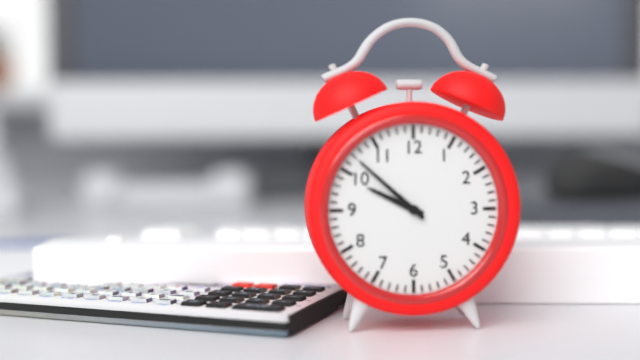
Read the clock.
9:52
